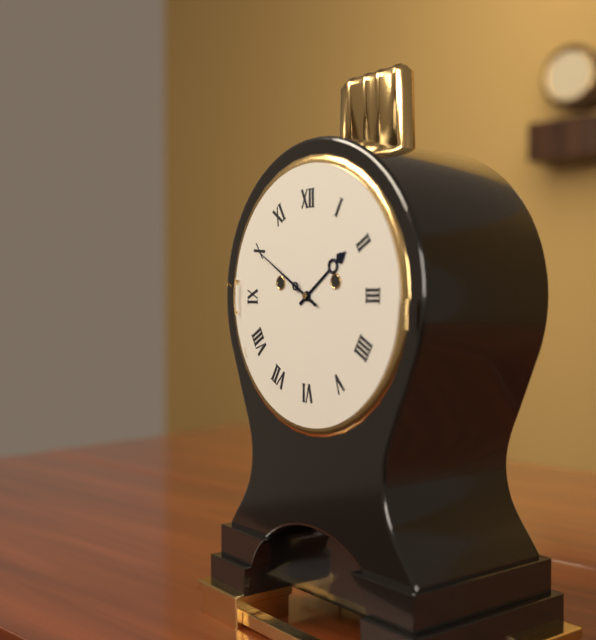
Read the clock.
1:50
